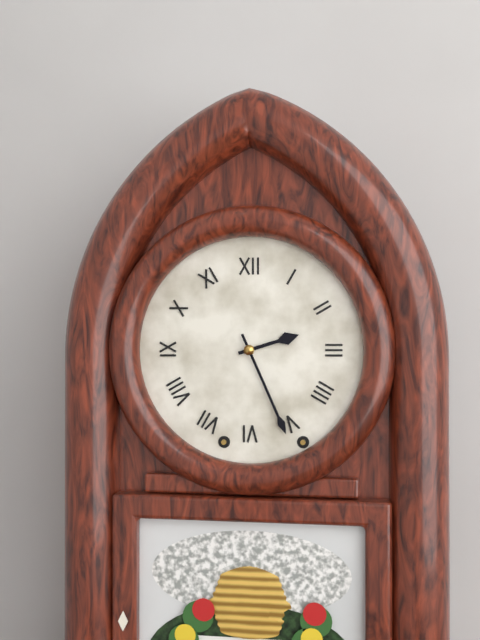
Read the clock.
2:26
